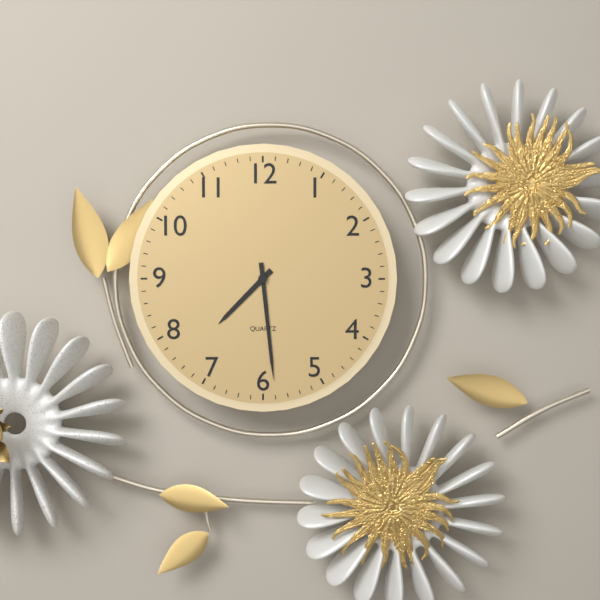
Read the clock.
7:29
